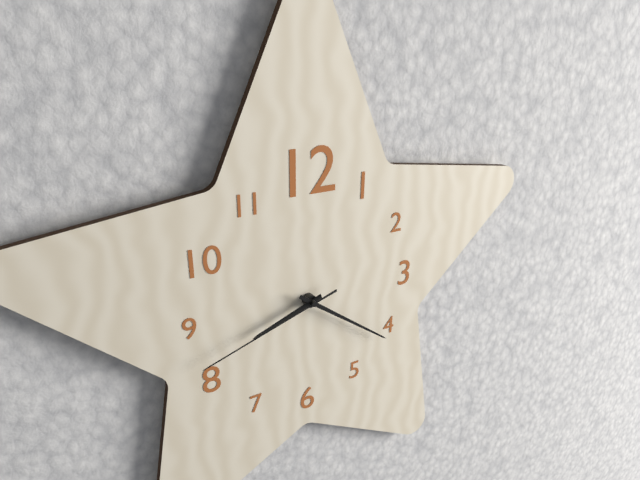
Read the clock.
8:21:42
